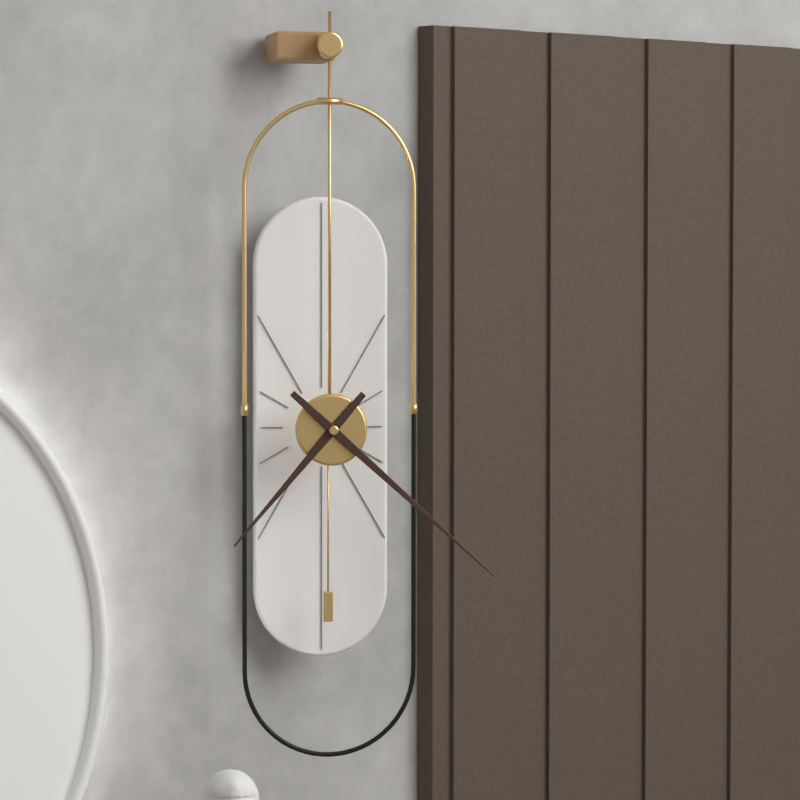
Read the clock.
7:22
